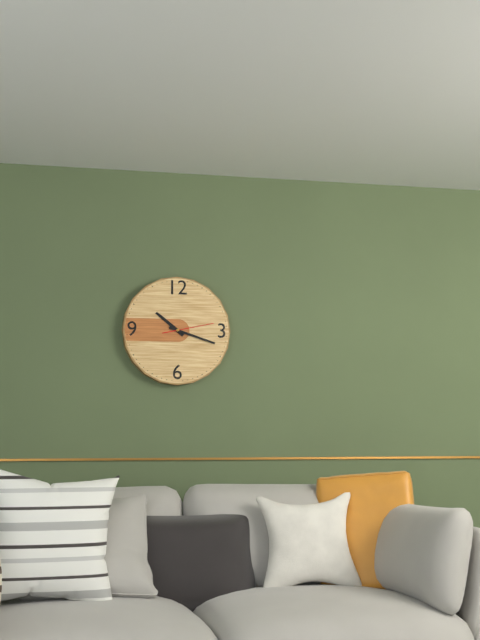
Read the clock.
10:18
